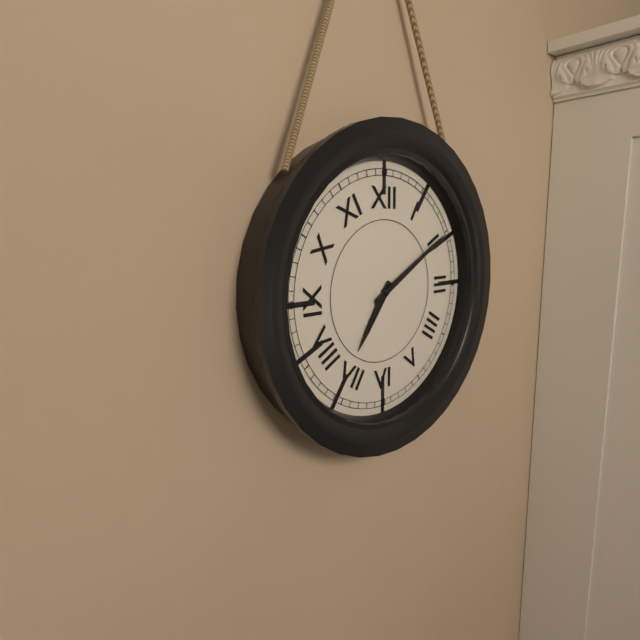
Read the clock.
7:10
